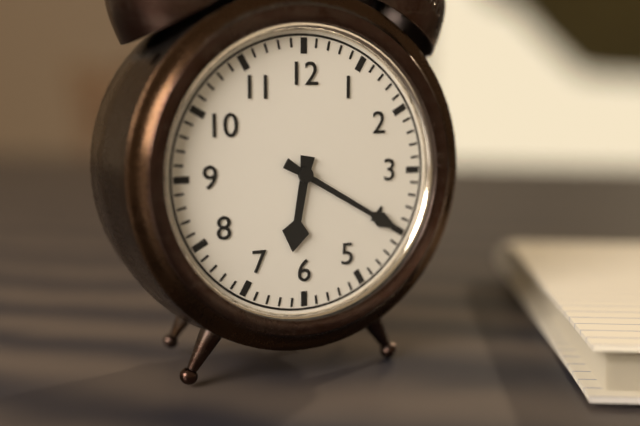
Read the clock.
6:20
